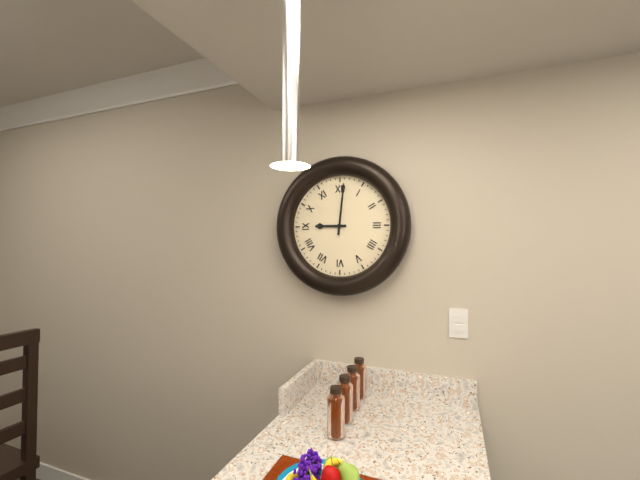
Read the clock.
9:01
